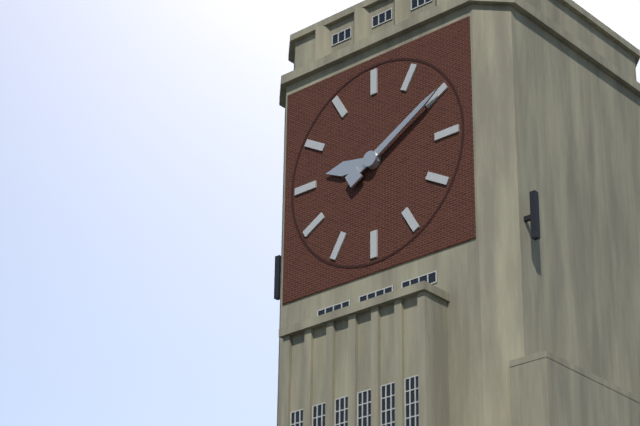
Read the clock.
9:10
